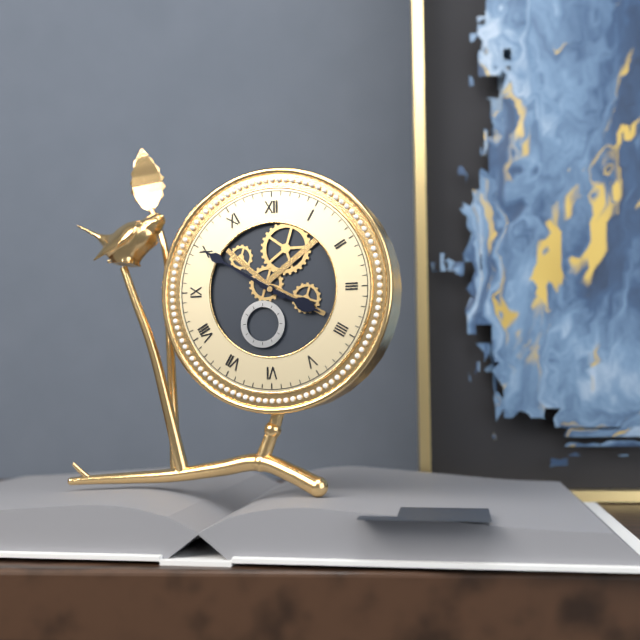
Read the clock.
3:50
